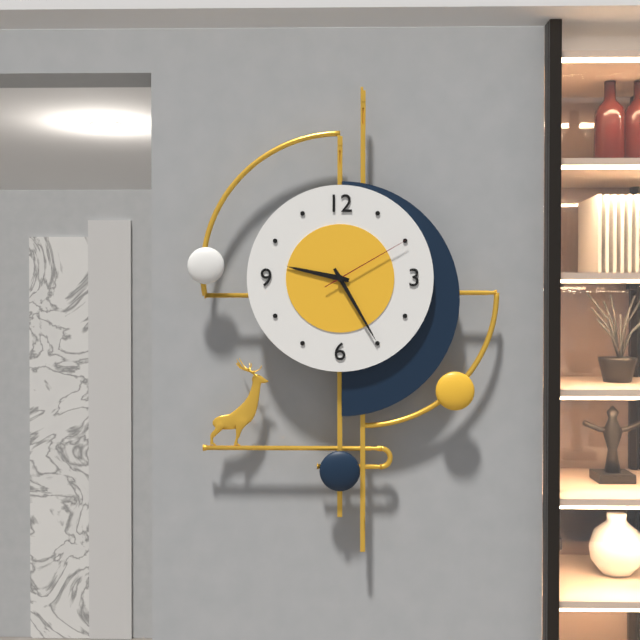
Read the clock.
9:25:10
